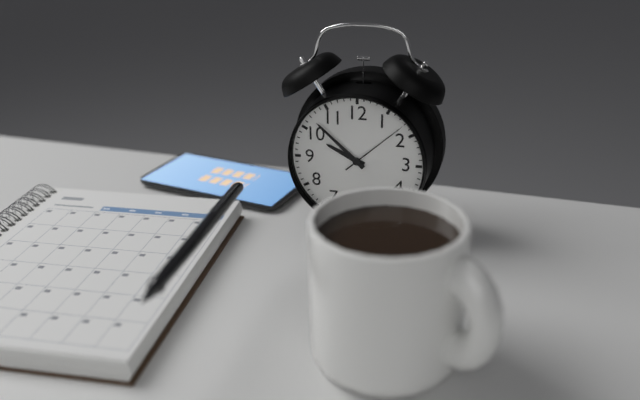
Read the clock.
9:52:08
